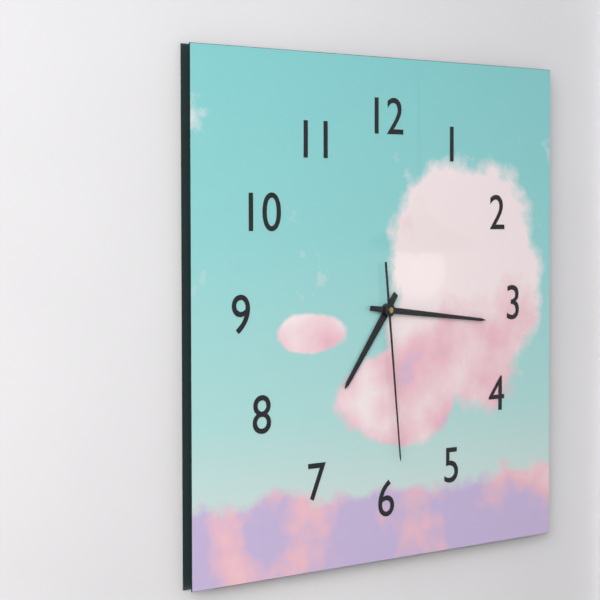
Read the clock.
7:16:29
